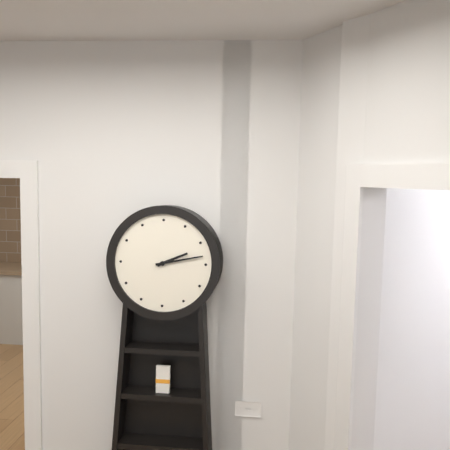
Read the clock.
2:13
